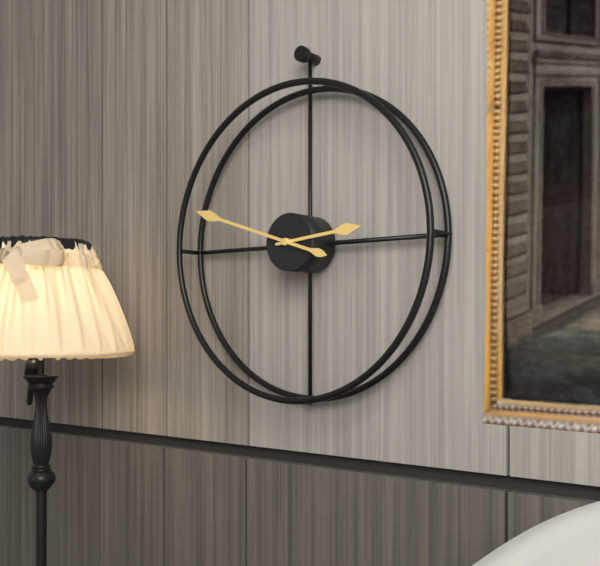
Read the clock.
2:48
